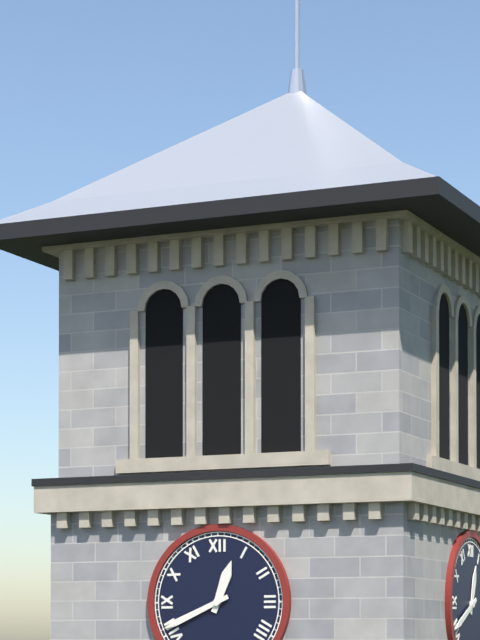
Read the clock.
12:41
